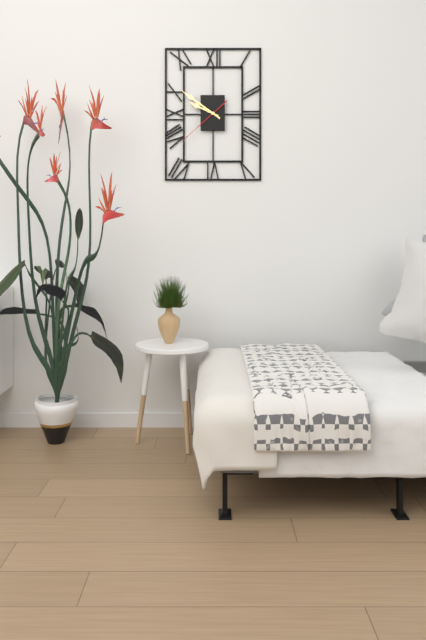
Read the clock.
9:51
